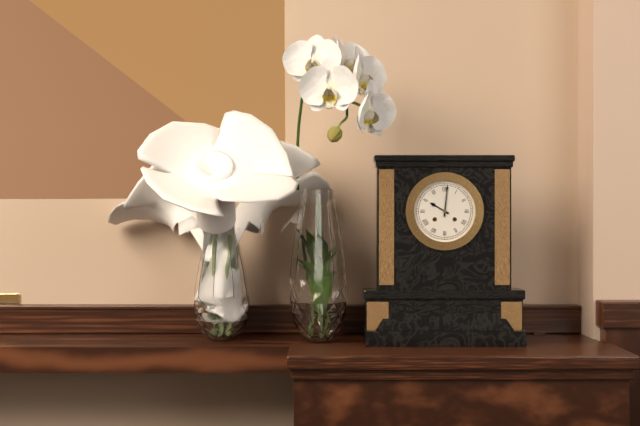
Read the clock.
10:01
